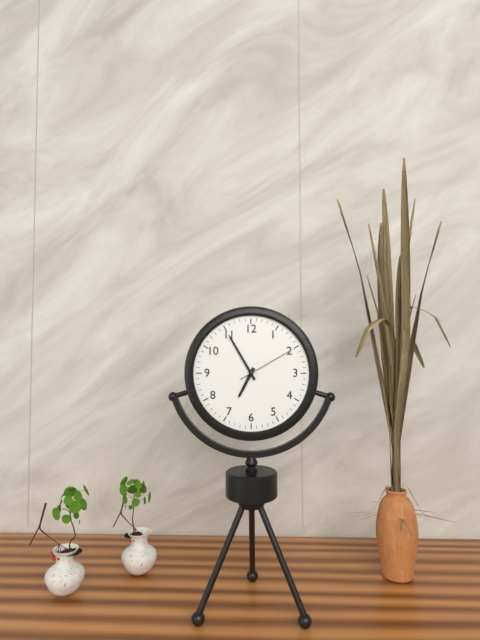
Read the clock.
6:55:10
